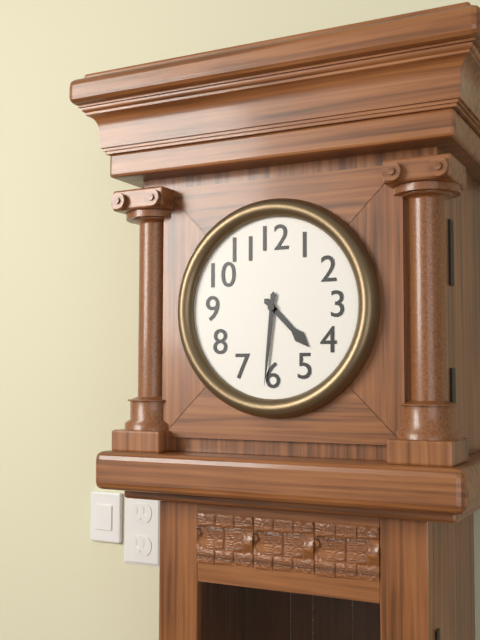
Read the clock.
4:31
